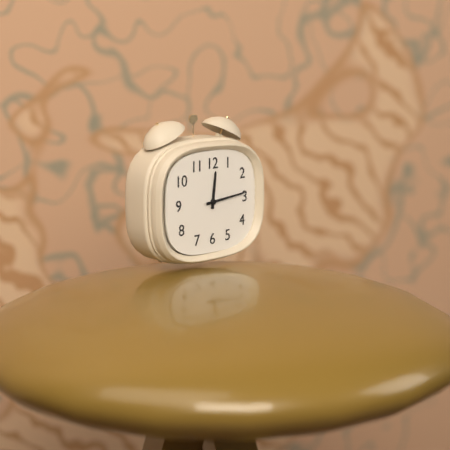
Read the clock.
12:14
